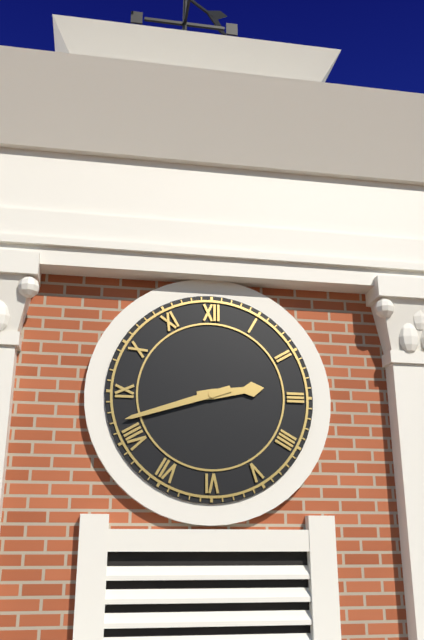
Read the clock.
2:42
